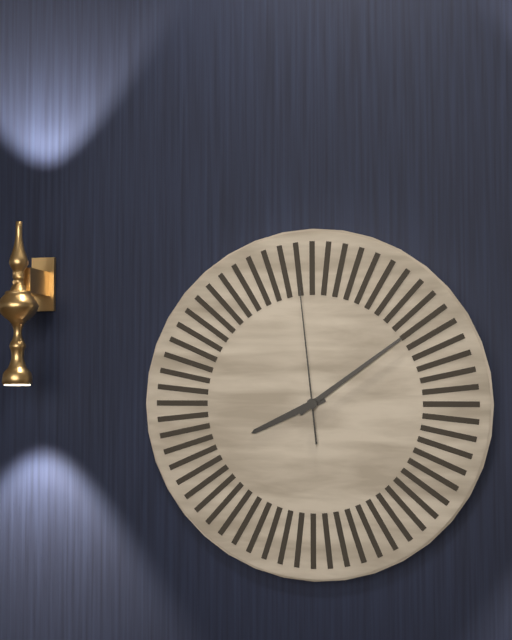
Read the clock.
8:09:59
